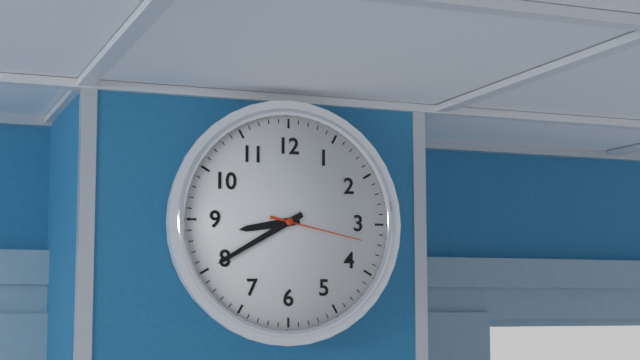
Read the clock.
8:40:17
